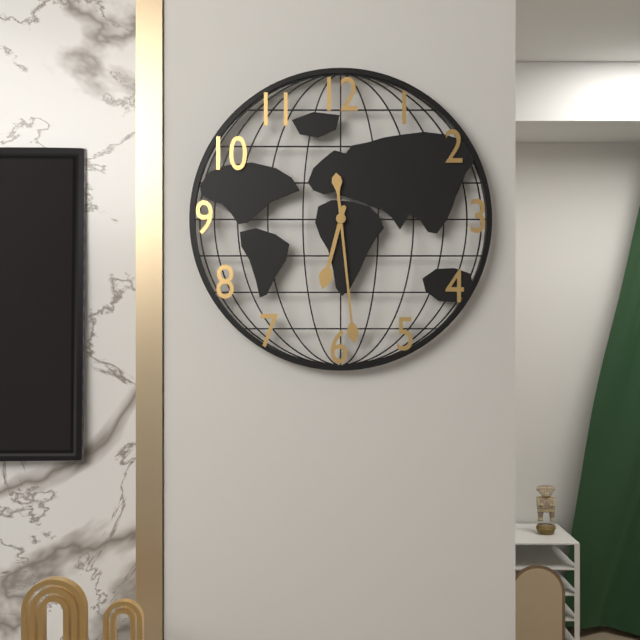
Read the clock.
6:29
